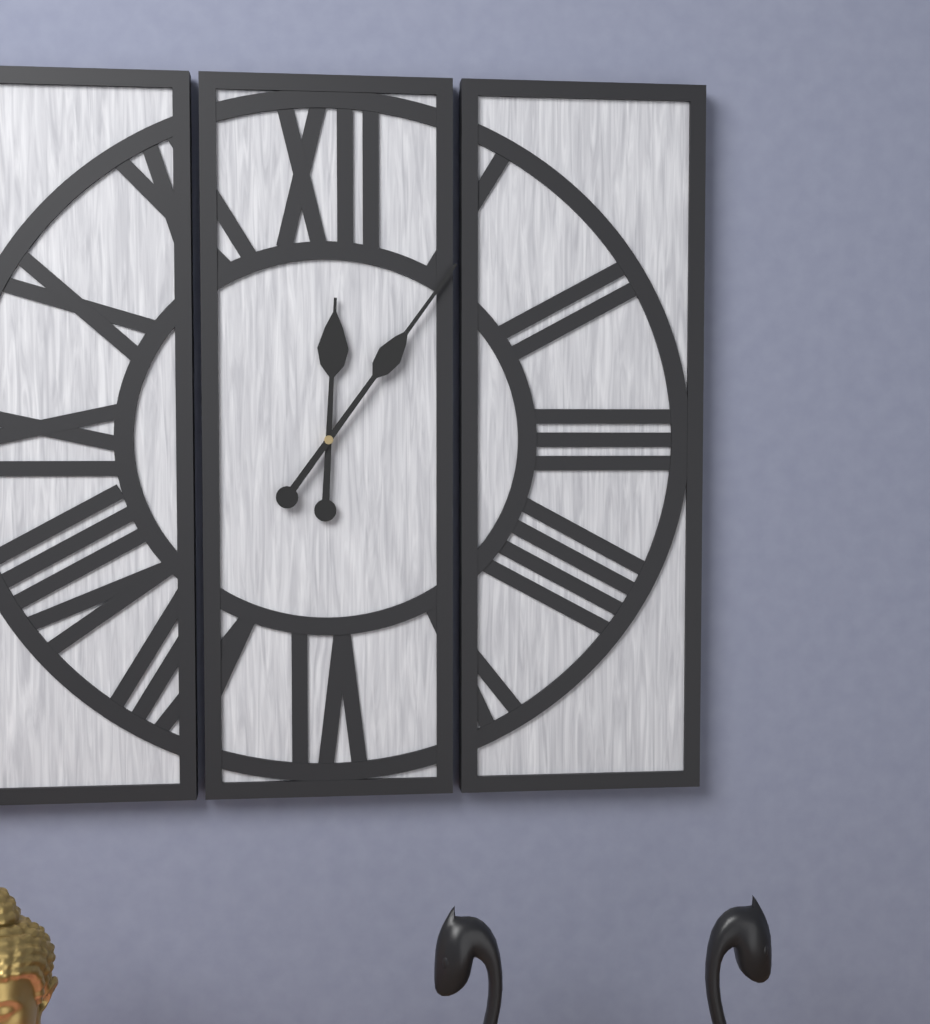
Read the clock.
12:06
